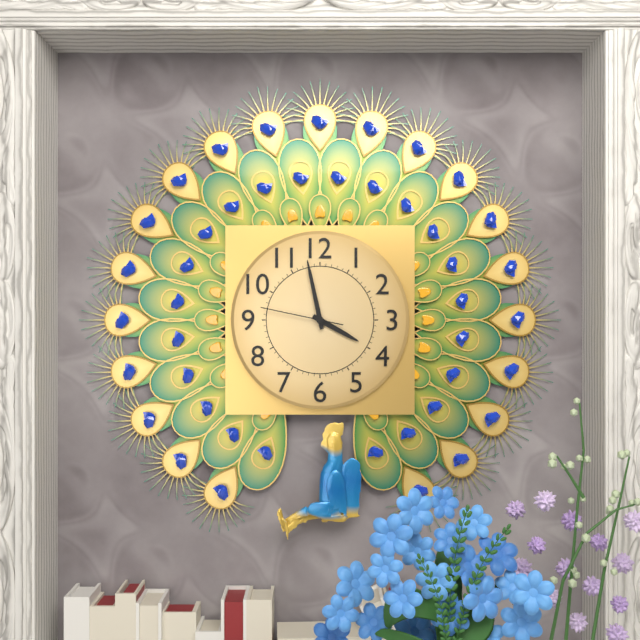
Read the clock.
3:58:47
